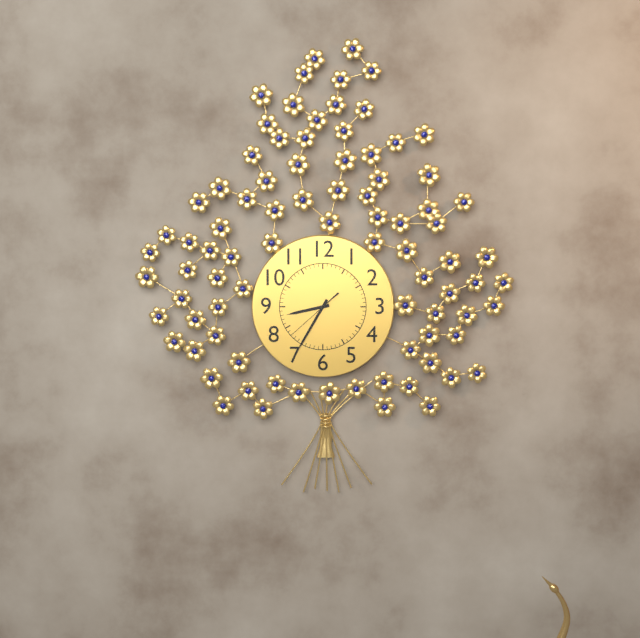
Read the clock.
8:35:38
